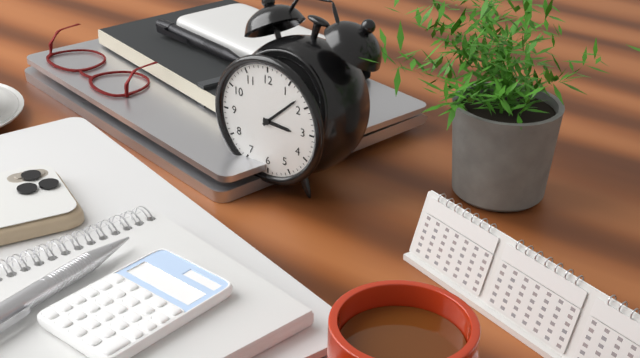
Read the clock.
3:08
